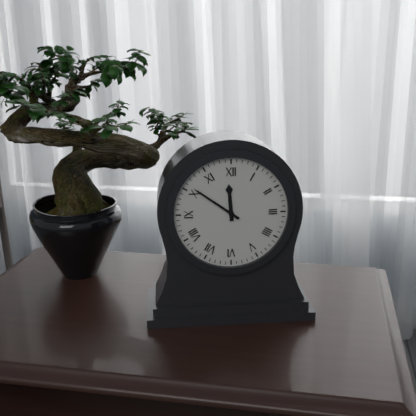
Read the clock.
11:51
